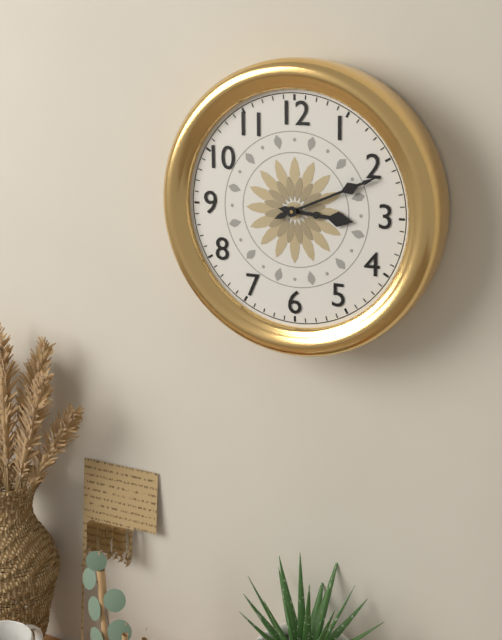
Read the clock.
3:11
